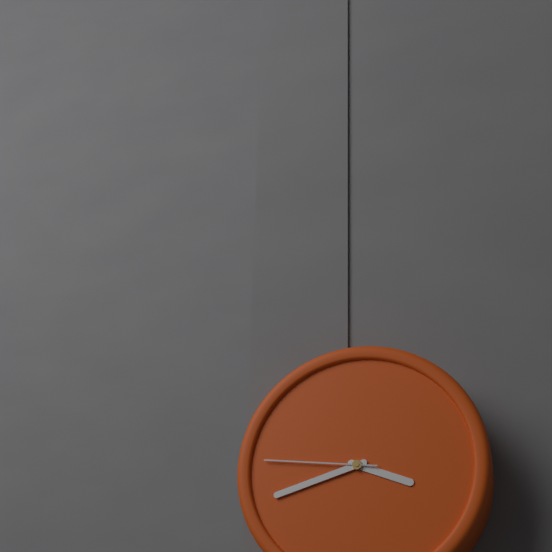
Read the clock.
3:42:46
